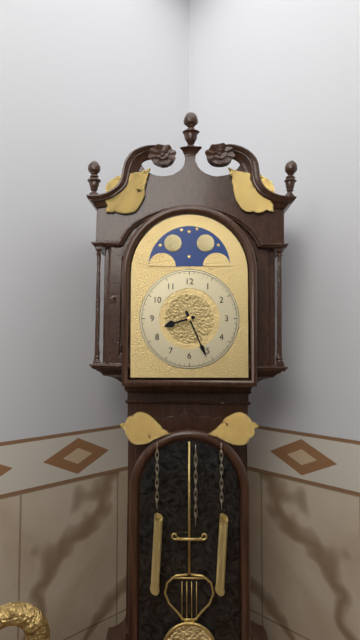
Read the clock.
8:26
